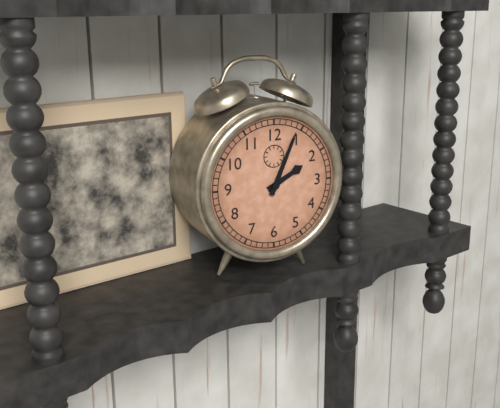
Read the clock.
2:04
